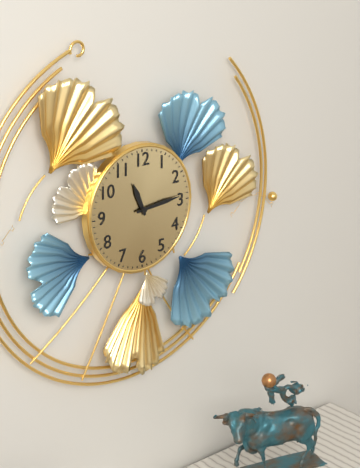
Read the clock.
11:14
